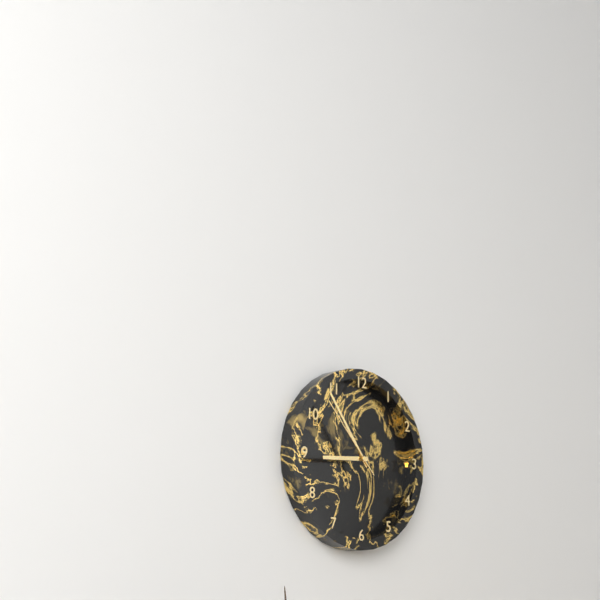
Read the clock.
8:54:53
